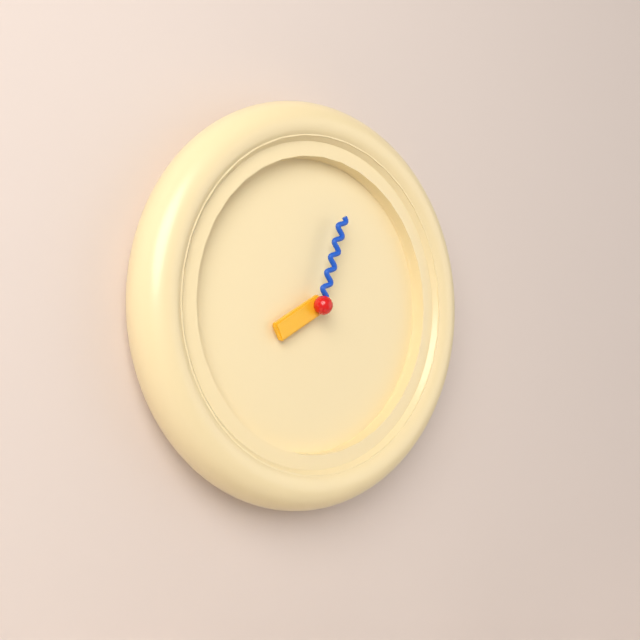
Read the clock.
8:03
